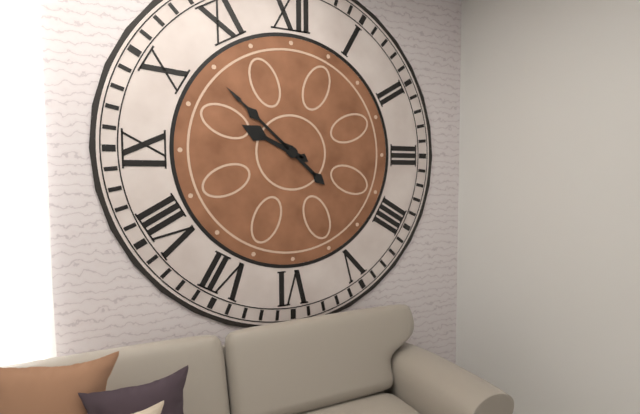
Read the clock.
9:52
